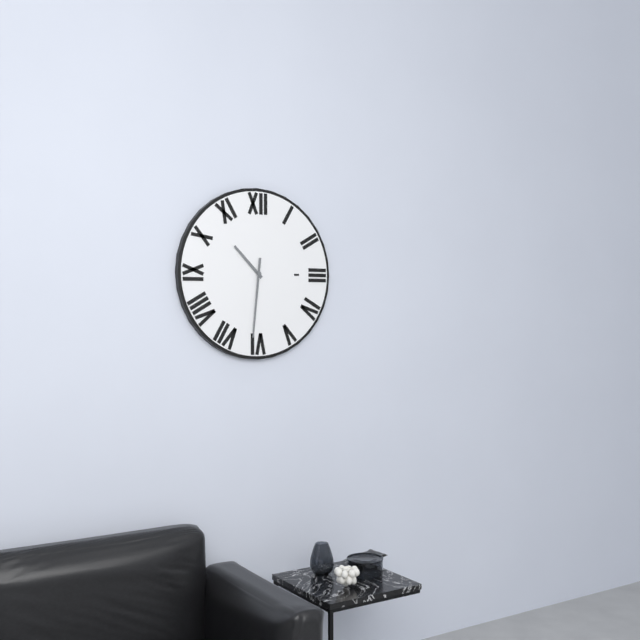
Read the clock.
10:31
